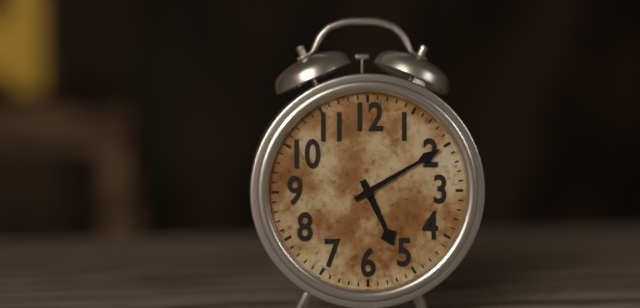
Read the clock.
5:10
